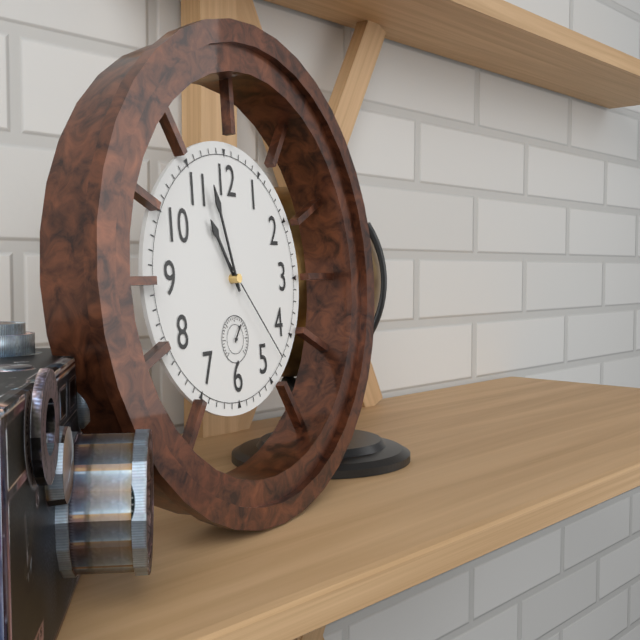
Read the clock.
10:57:23
